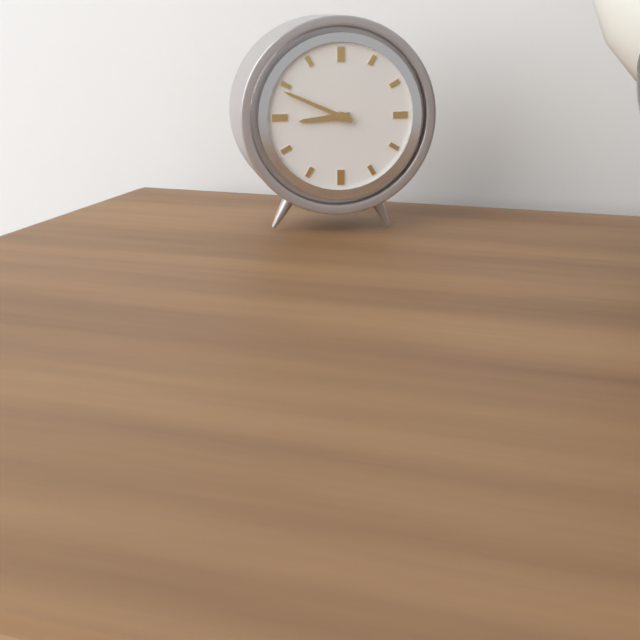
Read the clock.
8:49
